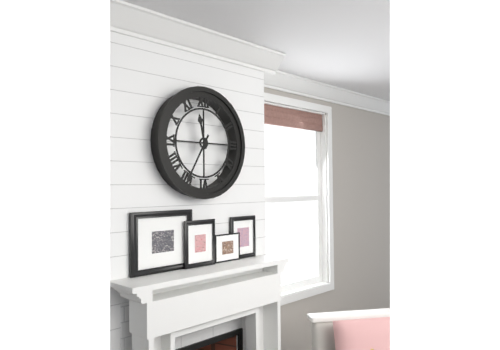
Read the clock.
11:35
